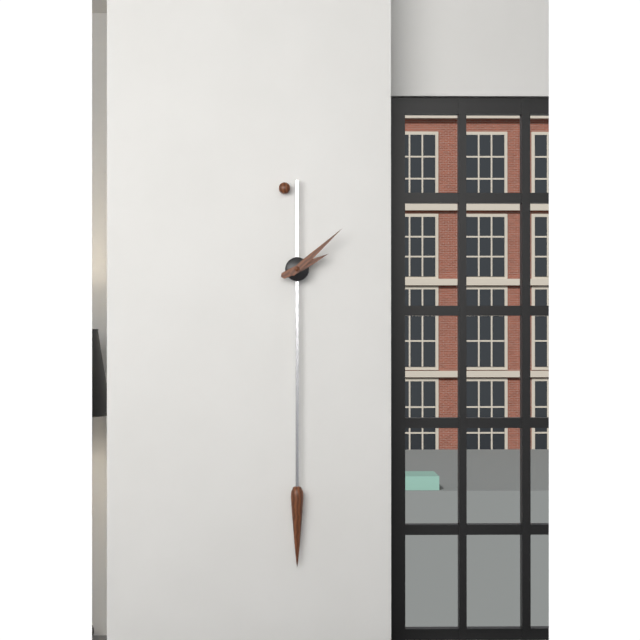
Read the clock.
2:08
